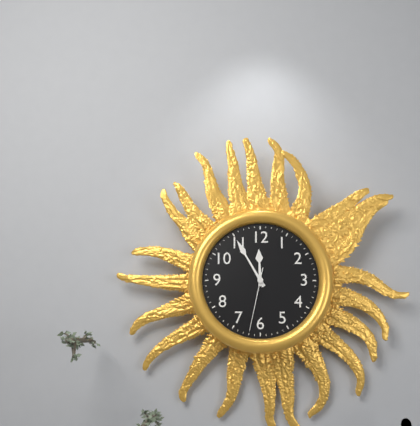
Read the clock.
11:55:32
